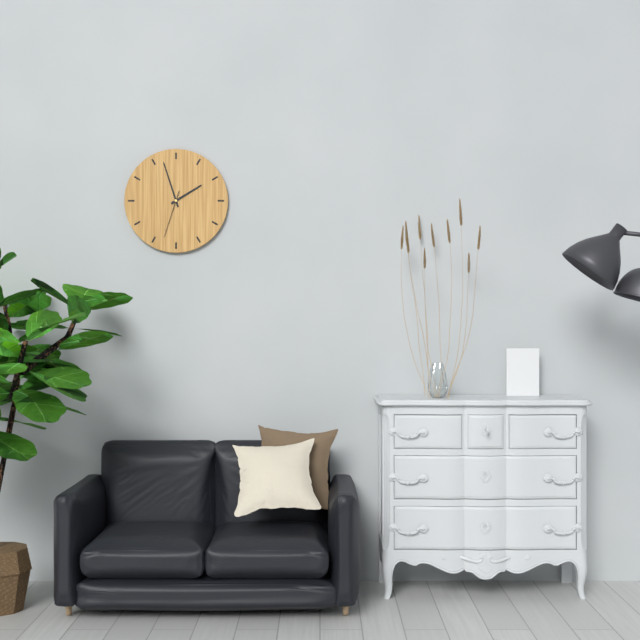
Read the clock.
1:57
